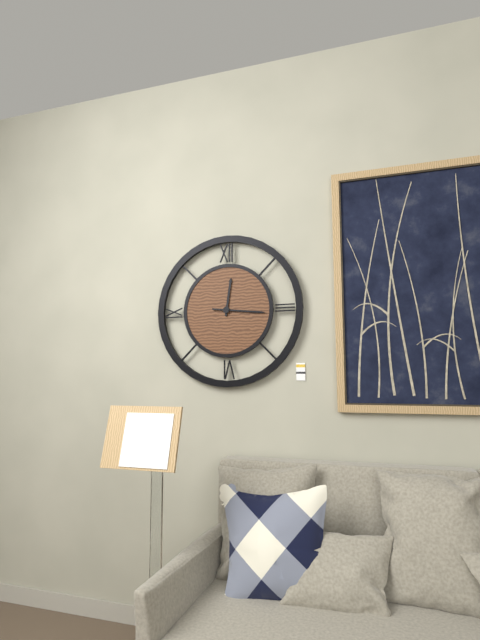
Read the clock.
12:16
